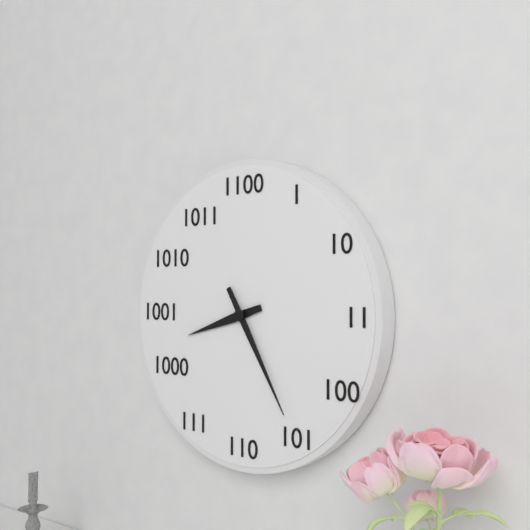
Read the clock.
8:25
